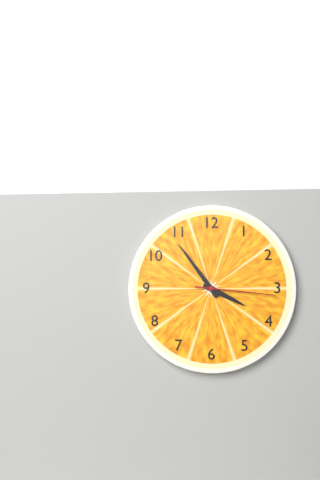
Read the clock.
3:54:16
